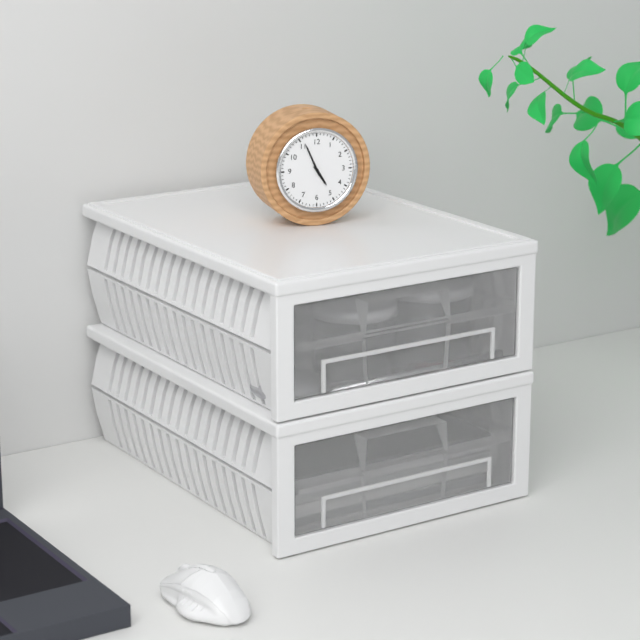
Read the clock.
4:56
